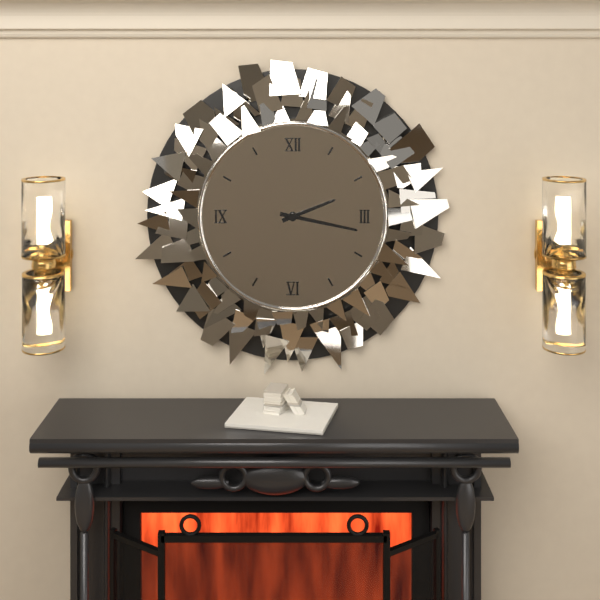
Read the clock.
2:17
